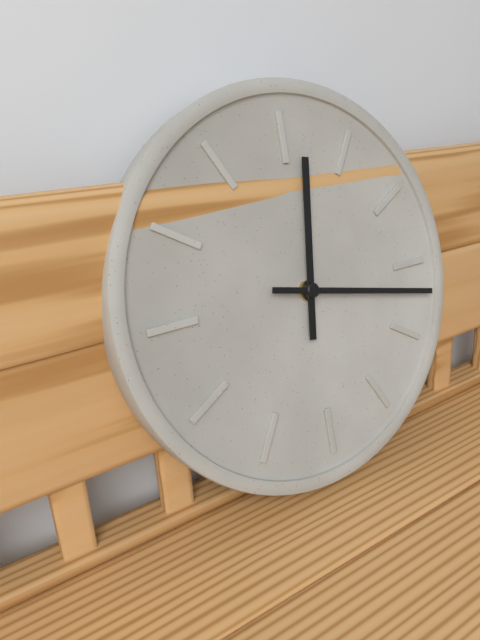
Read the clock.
12:17
